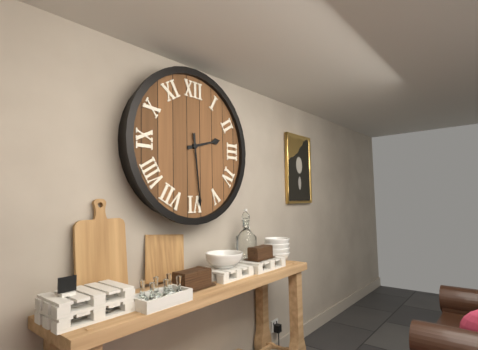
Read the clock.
2:29
